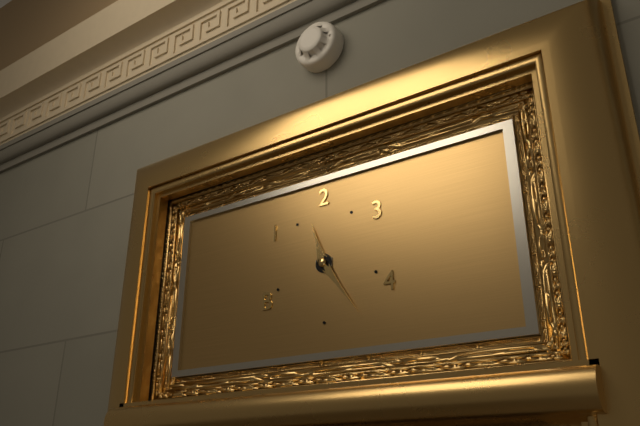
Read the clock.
11:24
